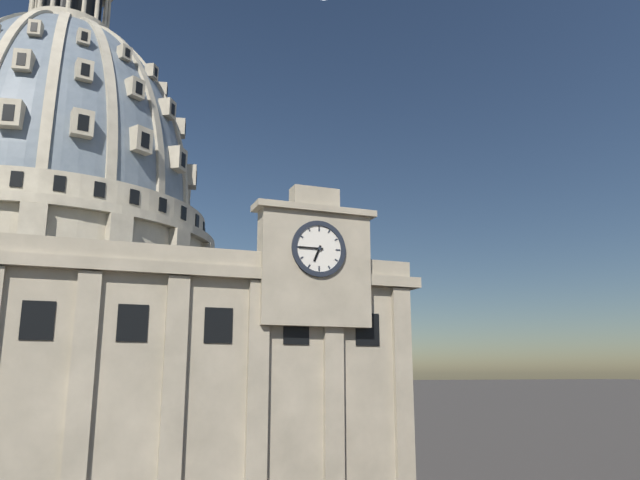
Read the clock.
6:45
